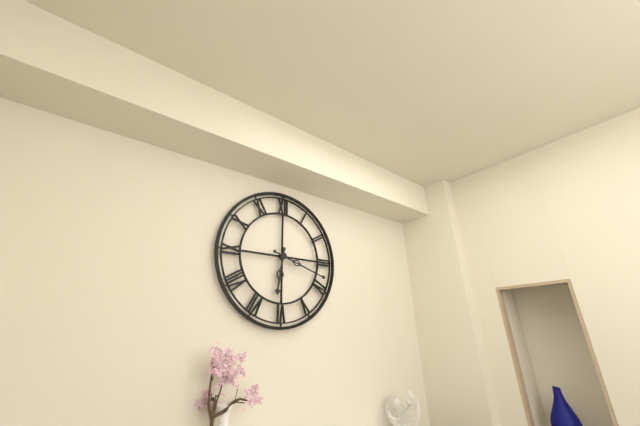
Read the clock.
6:18
